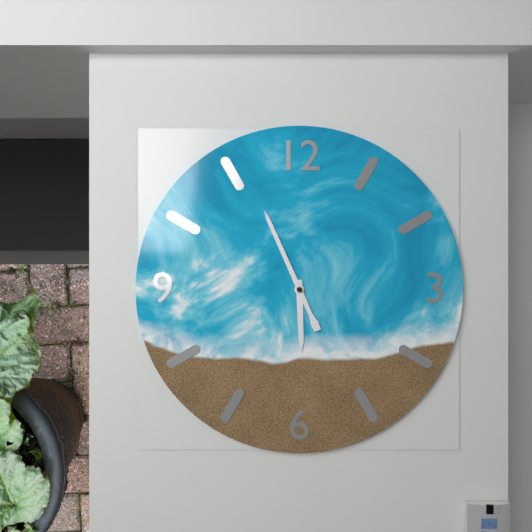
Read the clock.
5:56
